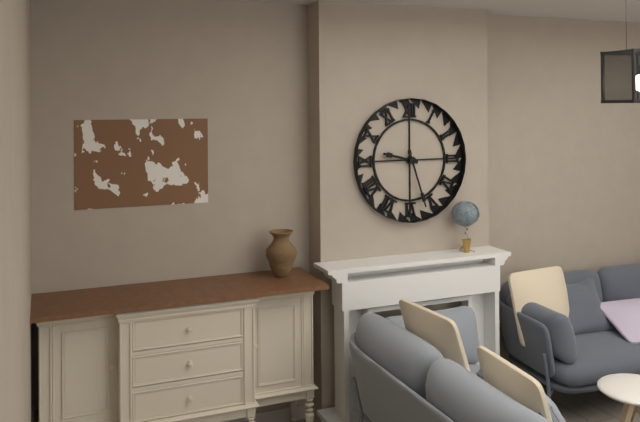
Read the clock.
9:27
